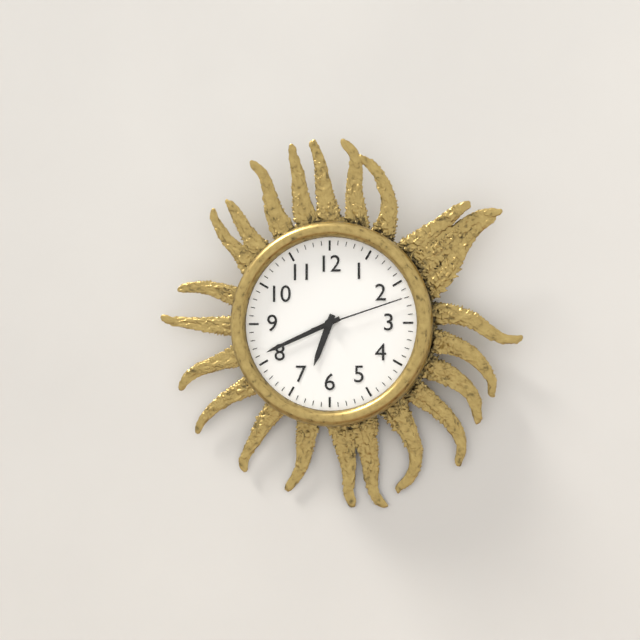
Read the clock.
6:41:12
